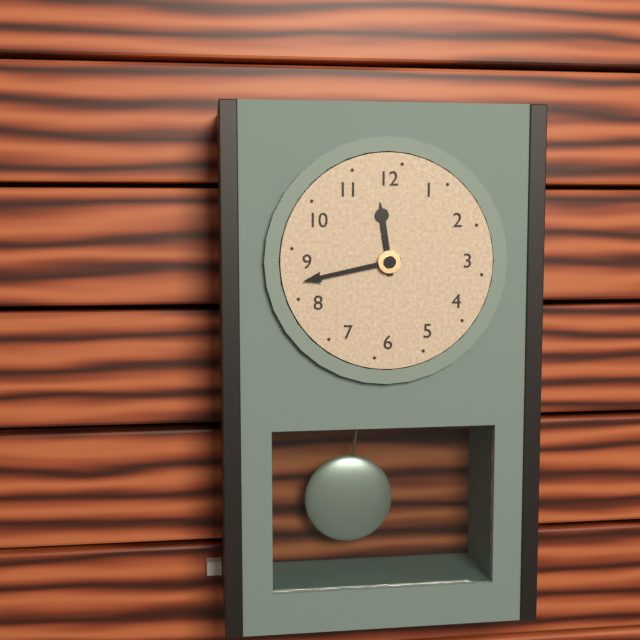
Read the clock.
11:43
